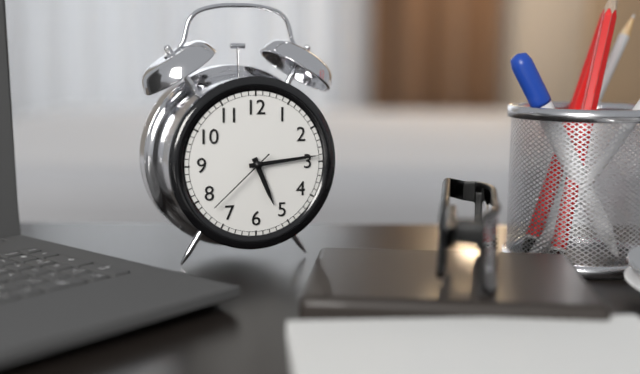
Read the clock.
5:14:38
